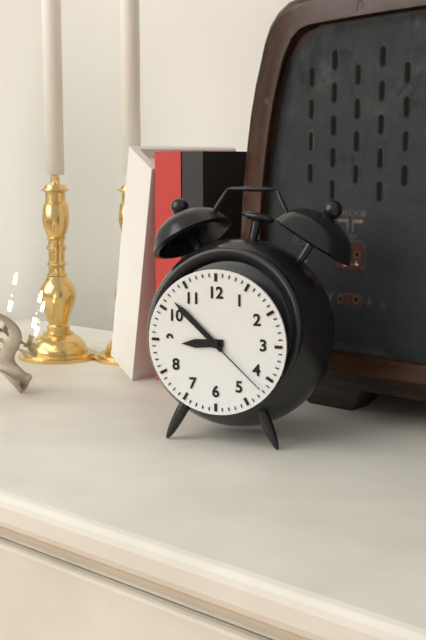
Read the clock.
8:52:22
